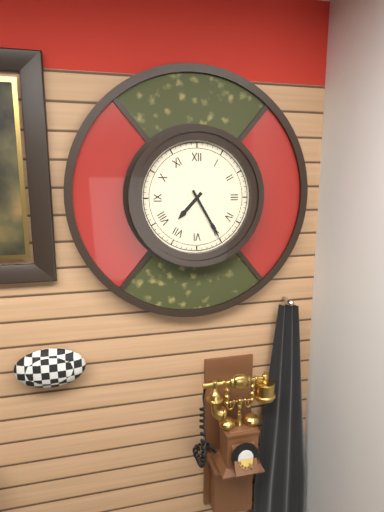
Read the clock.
7:25
